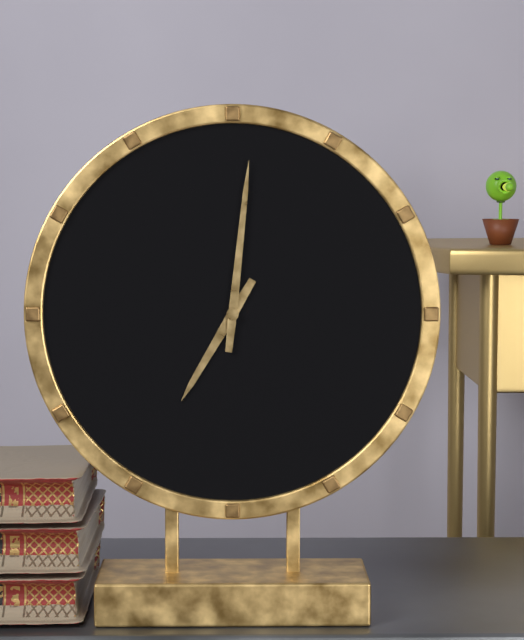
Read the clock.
7:01
